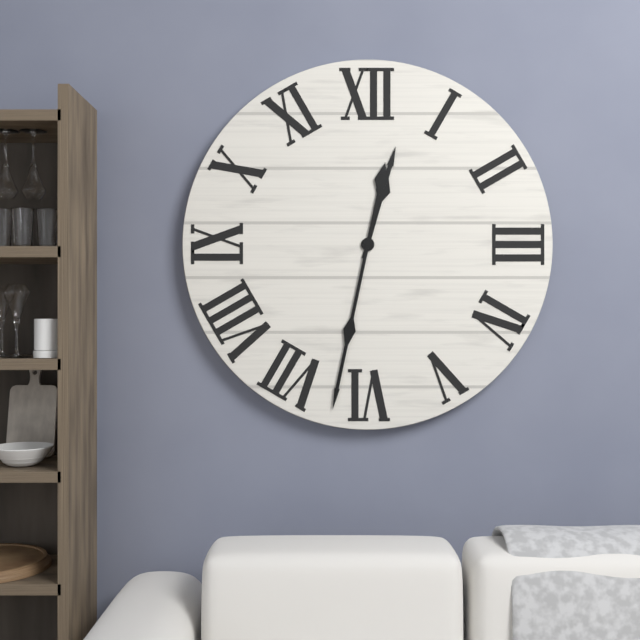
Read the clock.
12:32
